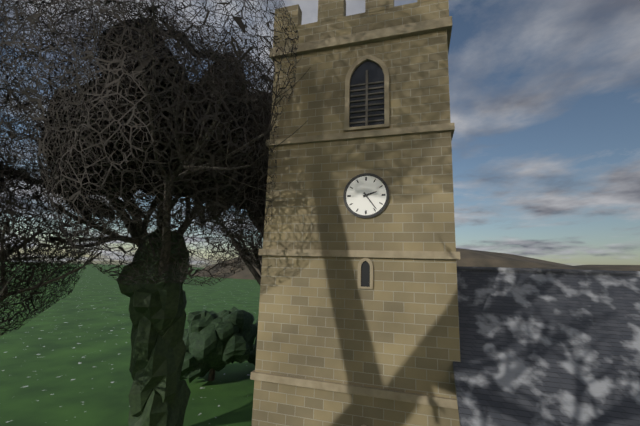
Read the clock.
2:24
